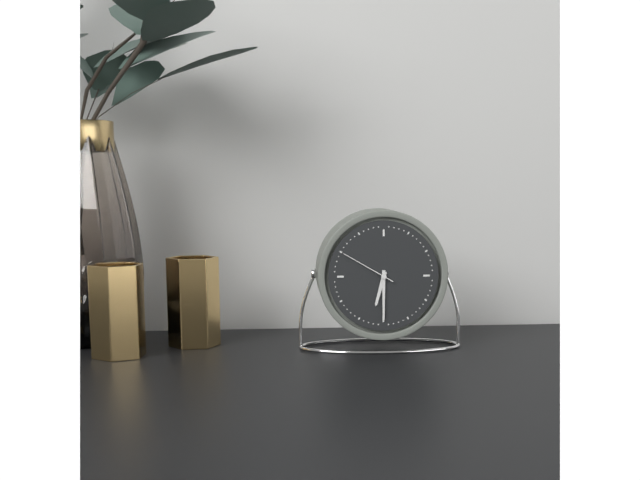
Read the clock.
6:30:50
